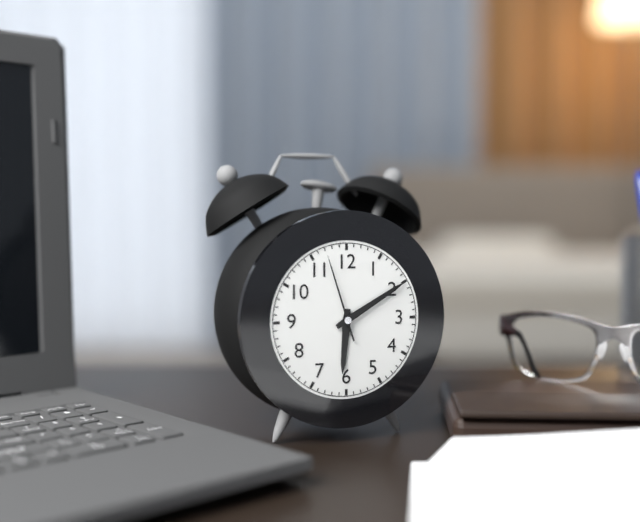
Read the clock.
6:10:57
